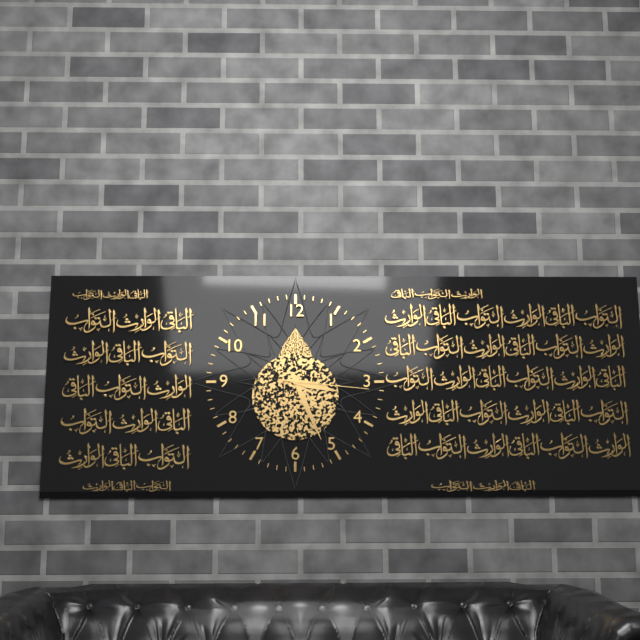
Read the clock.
3:26:16
